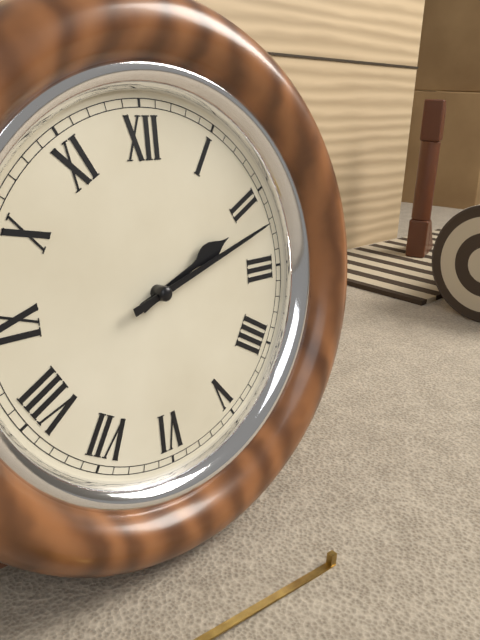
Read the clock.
2:12
